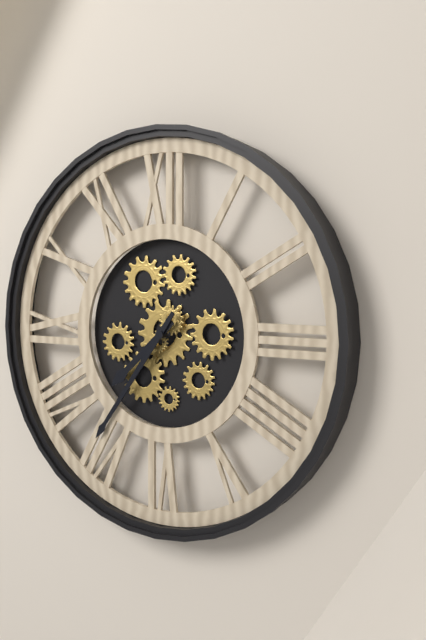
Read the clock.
7:36
